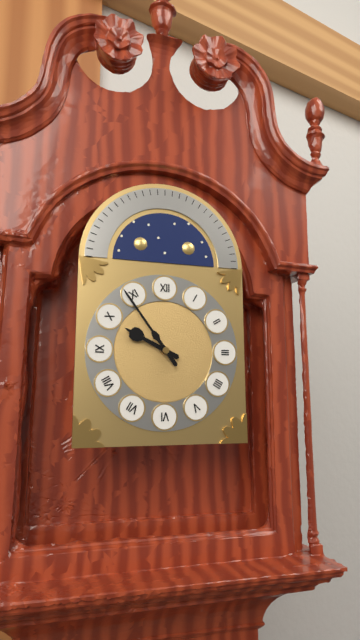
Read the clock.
9:54
